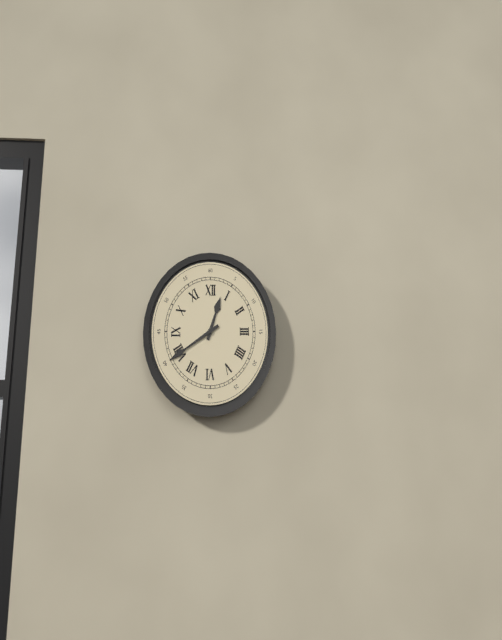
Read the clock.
12:40
